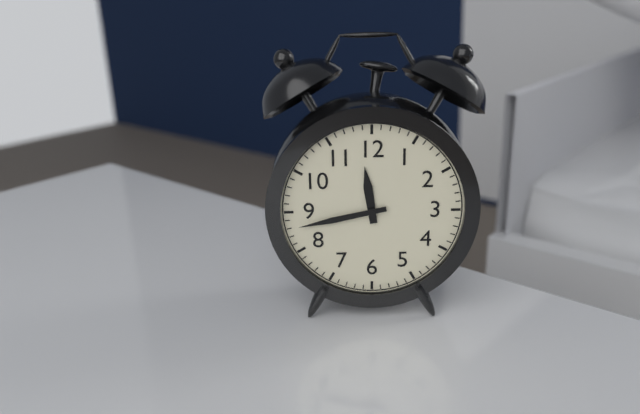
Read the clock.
11:43
